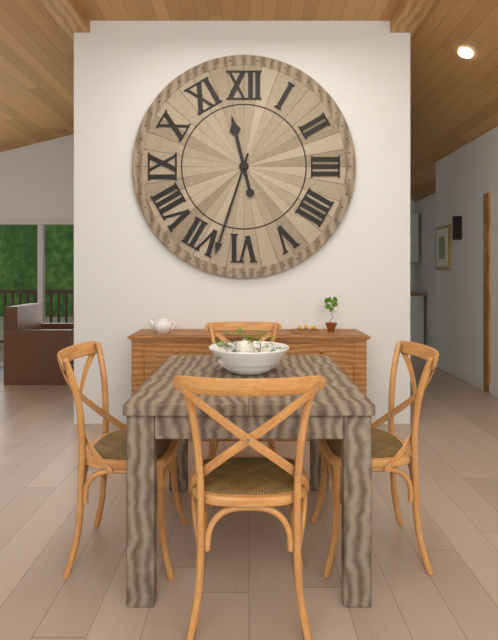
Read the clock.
11:33
